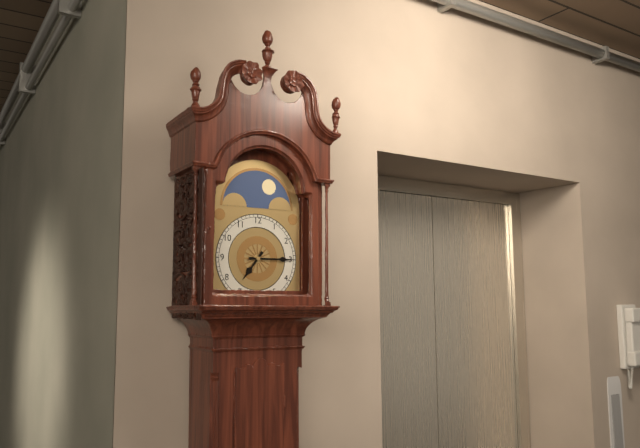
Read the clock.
7:15
